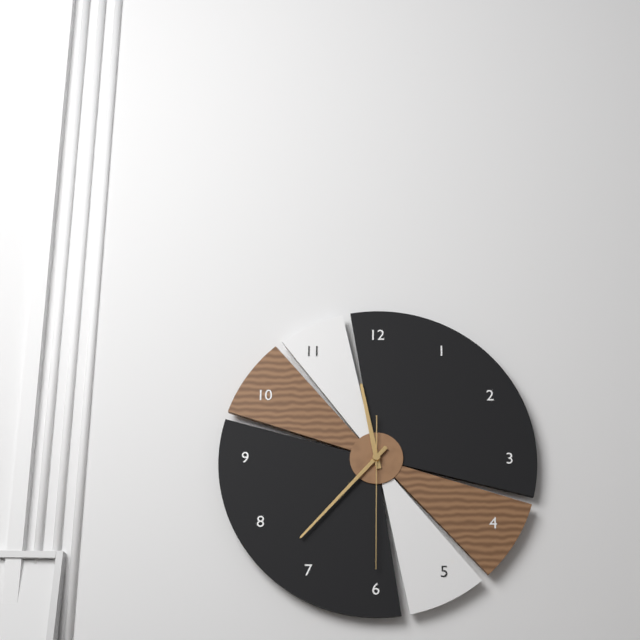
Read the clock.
11:37:30
